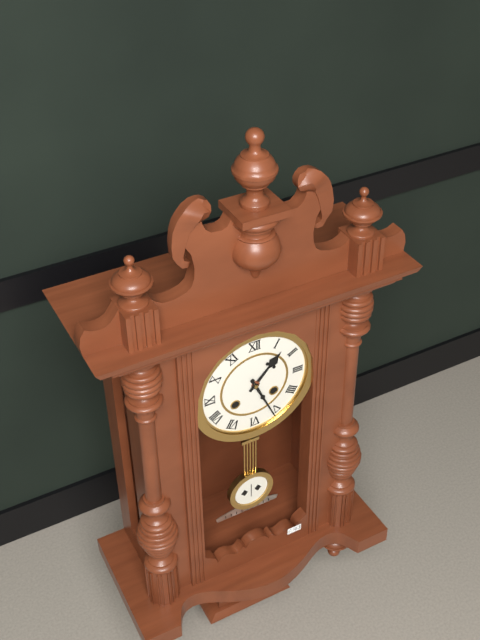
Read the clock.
1:26
